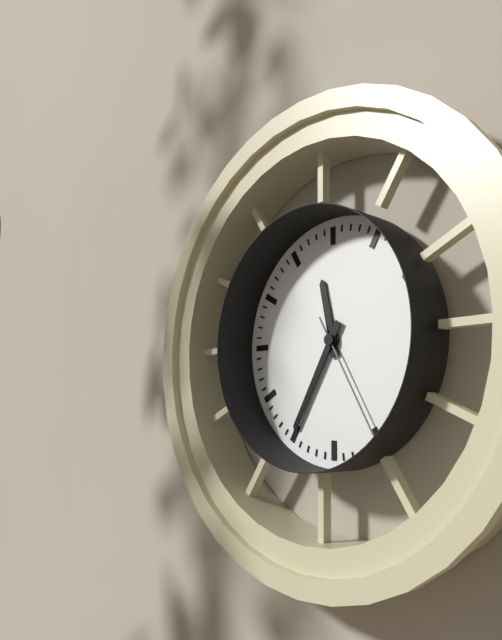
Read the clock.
11:35:25
